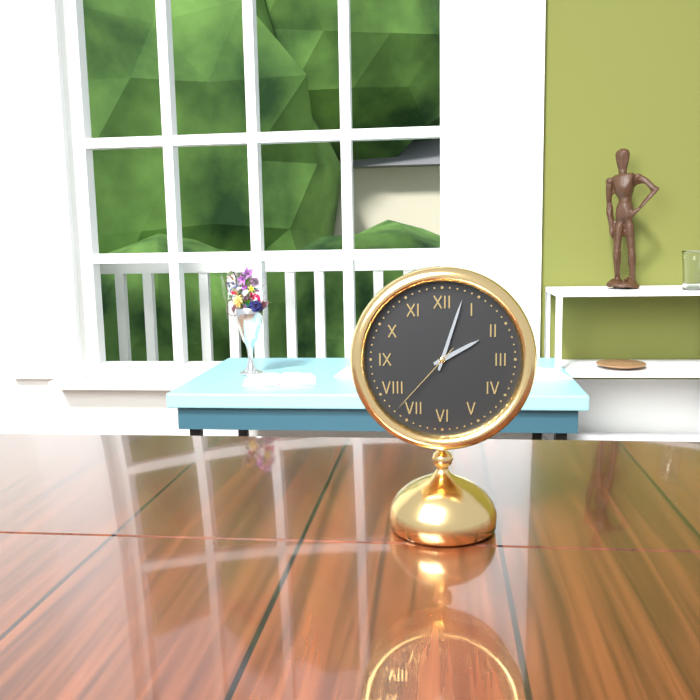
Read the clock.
2:03:37
